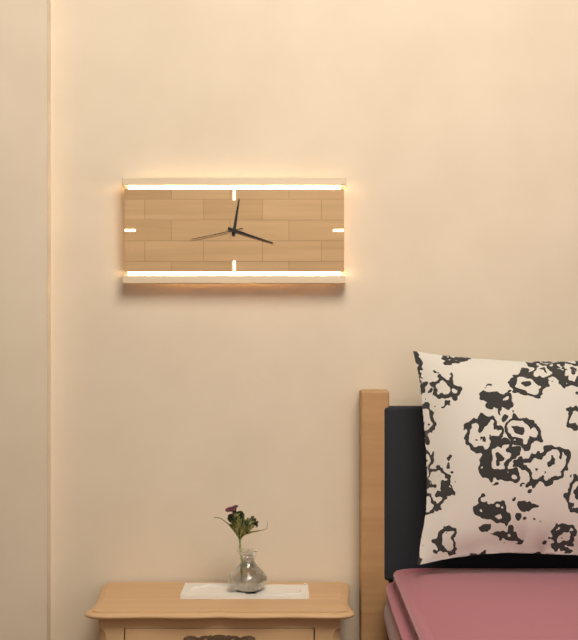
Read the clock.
12:18:43
